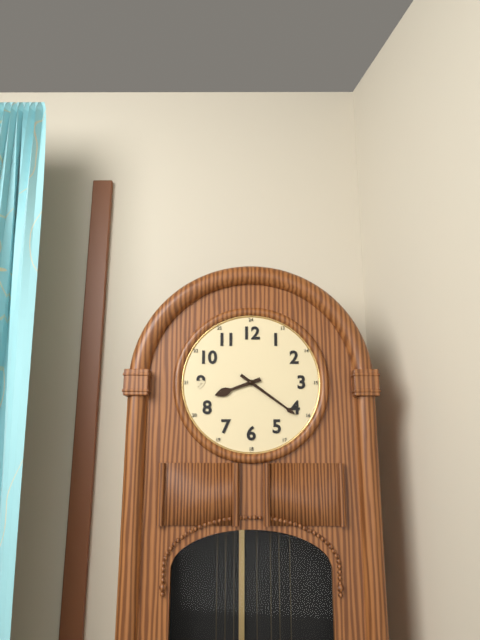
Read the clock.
8:21
